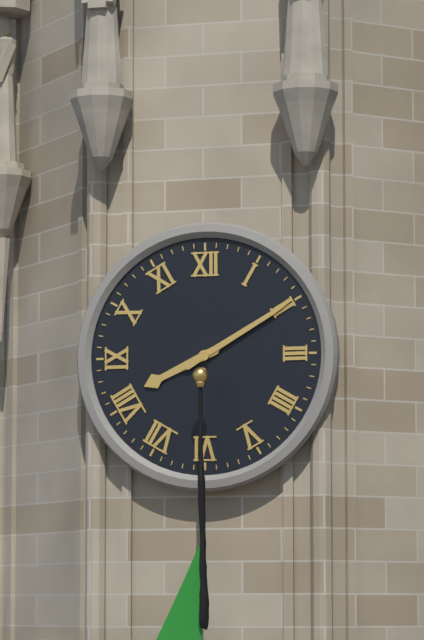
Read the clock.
8:10
